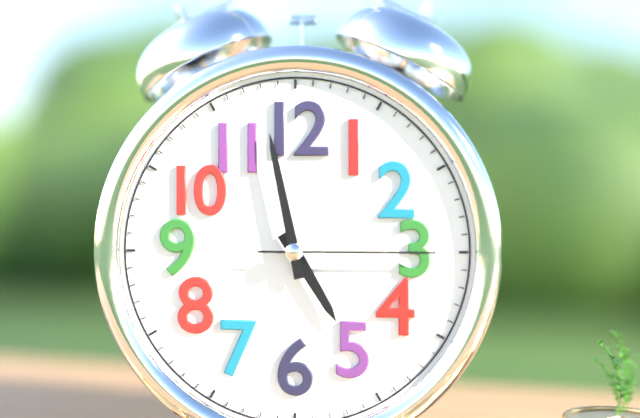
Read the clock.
4:58:15
